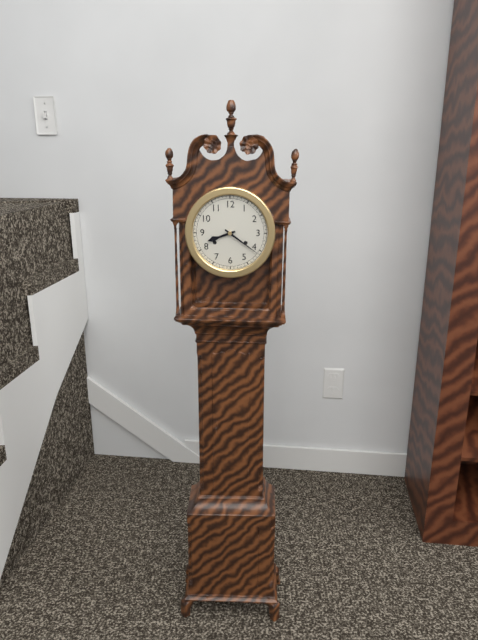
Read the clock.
8:21
